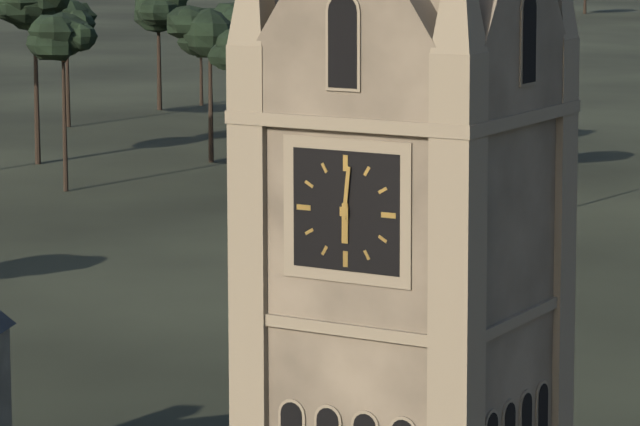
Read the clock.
6:01
